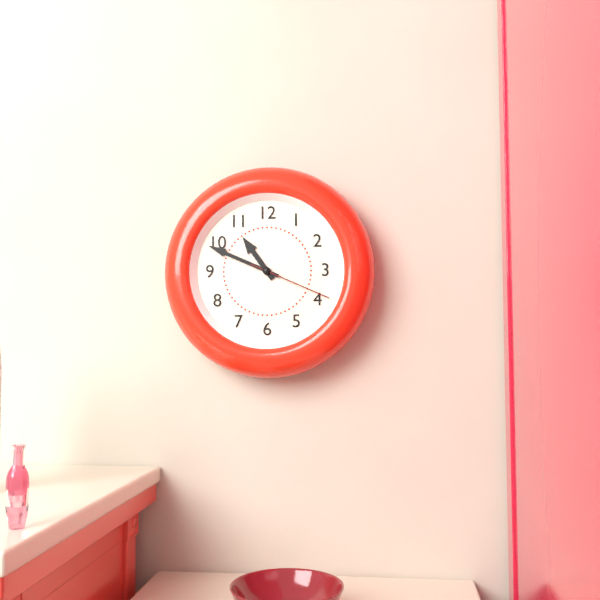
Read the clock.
10:49:19
